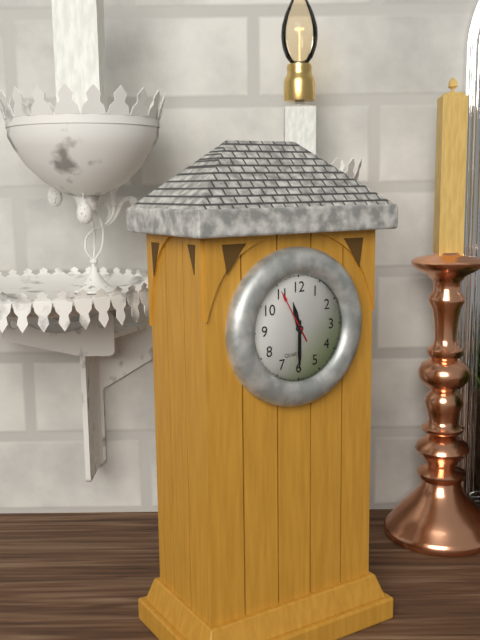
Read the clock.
11:30:55
